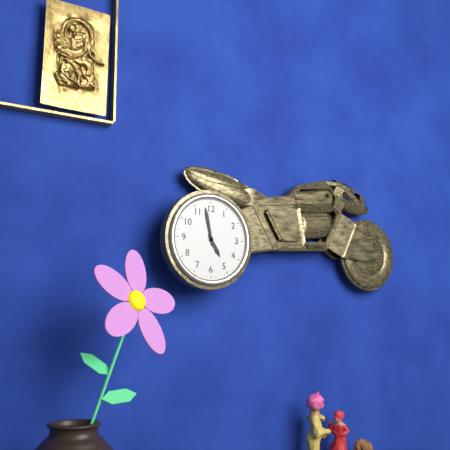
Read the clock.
4:58
